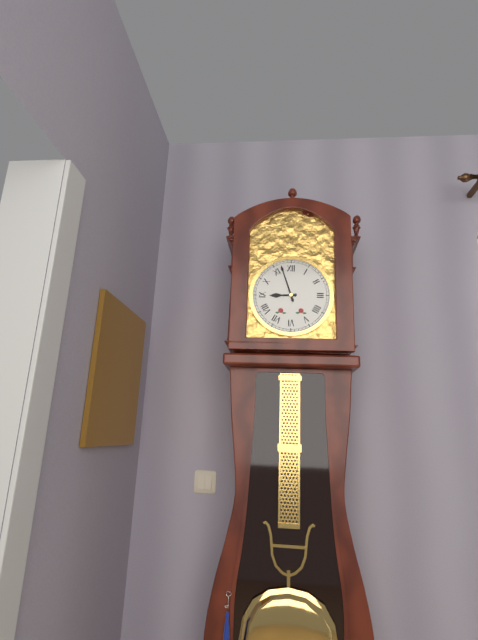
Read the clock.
8:57
